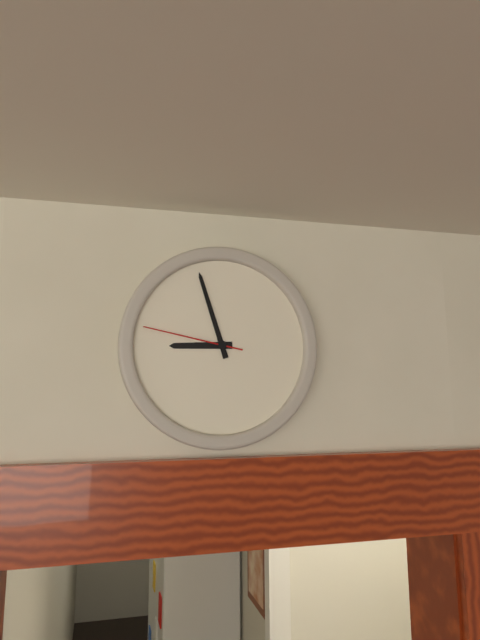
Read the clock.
8:57:47
